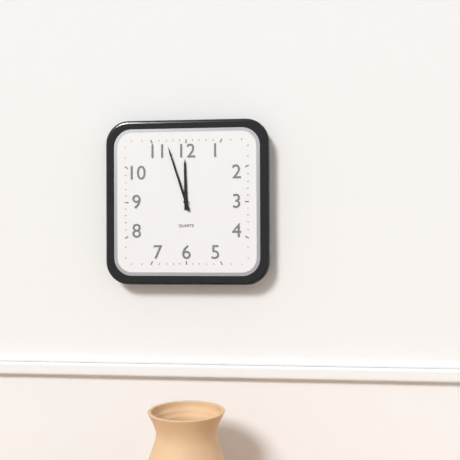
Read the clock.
11:57
